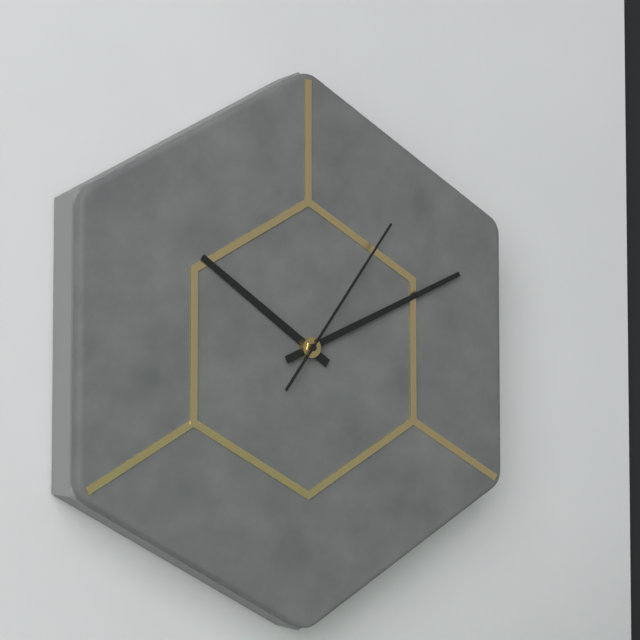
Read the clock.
10:11:06
